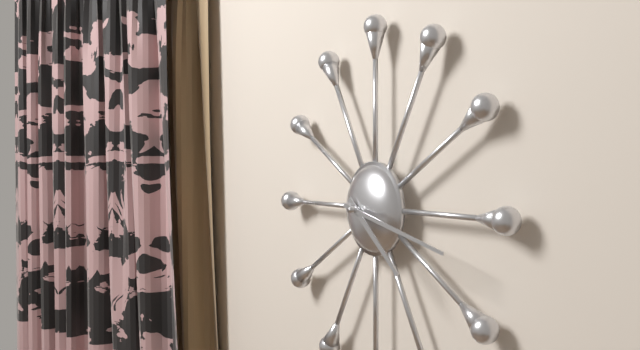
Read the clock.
4:17
